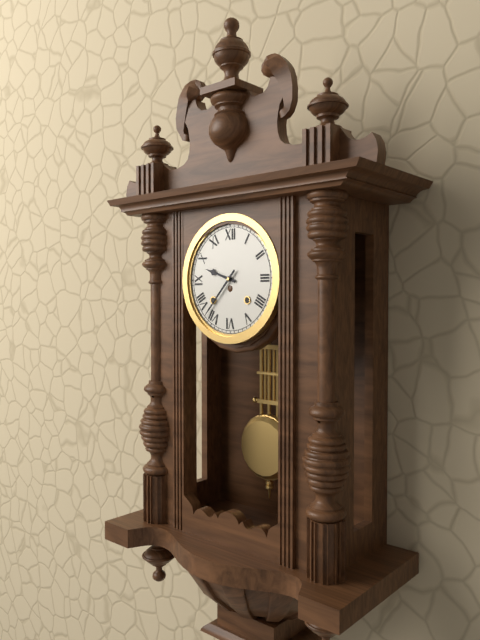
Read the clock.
9:37
